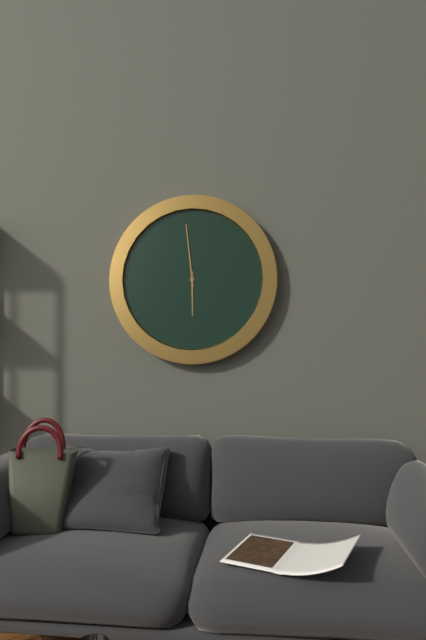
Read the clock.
5:59
